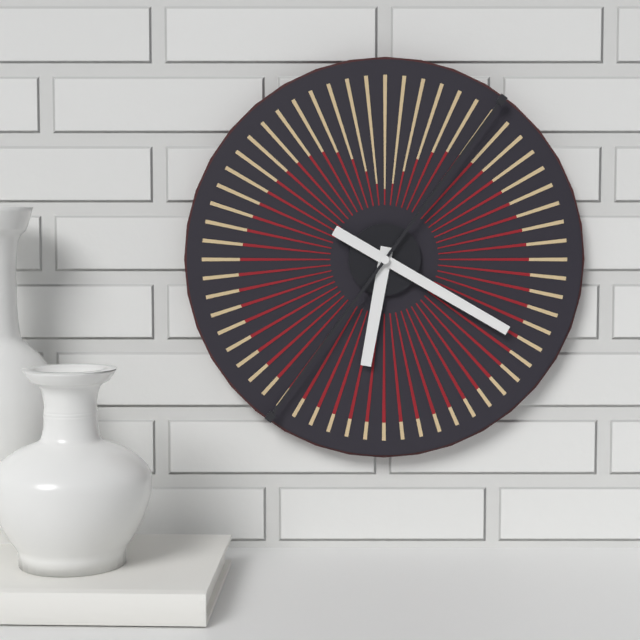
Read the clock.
6:20
